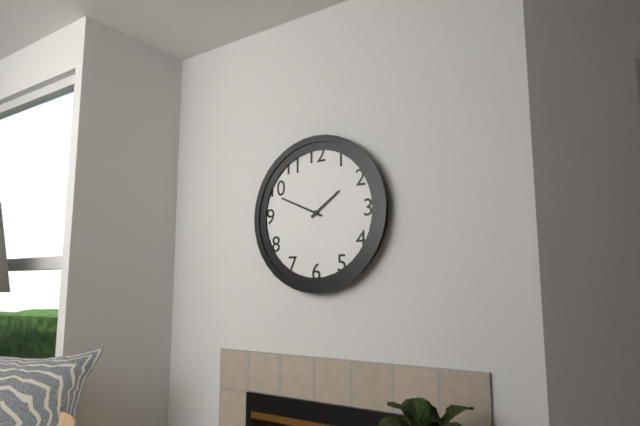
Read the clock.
1:49
